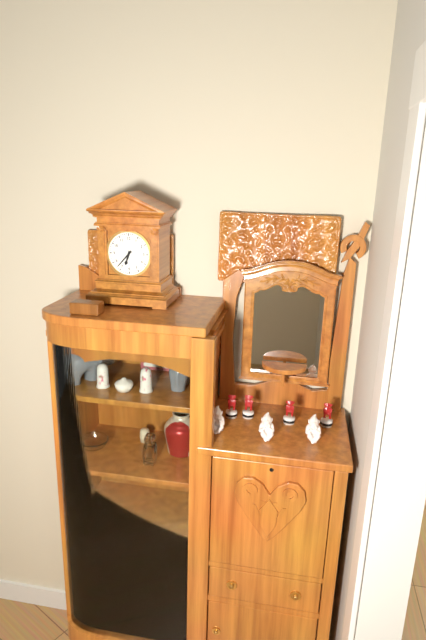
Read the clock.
6:37
